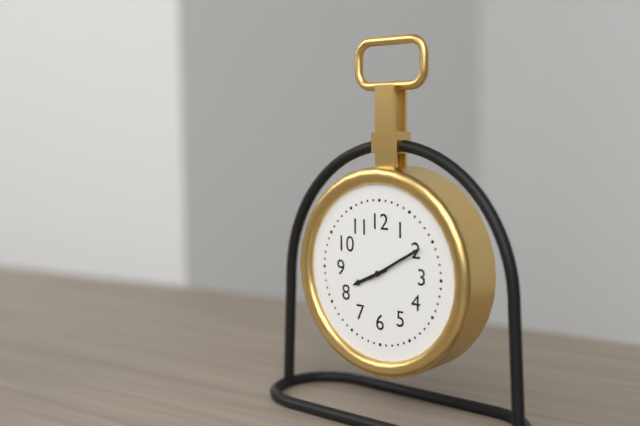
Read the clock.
8:10
